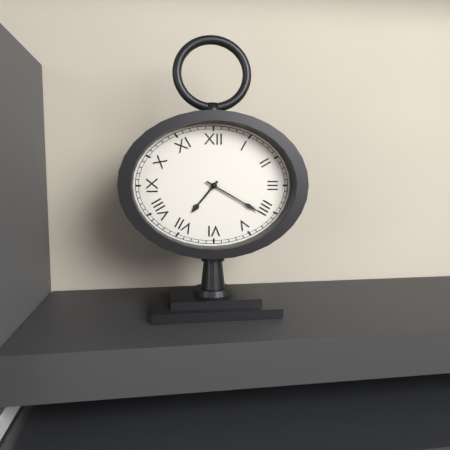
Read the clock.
7:20
